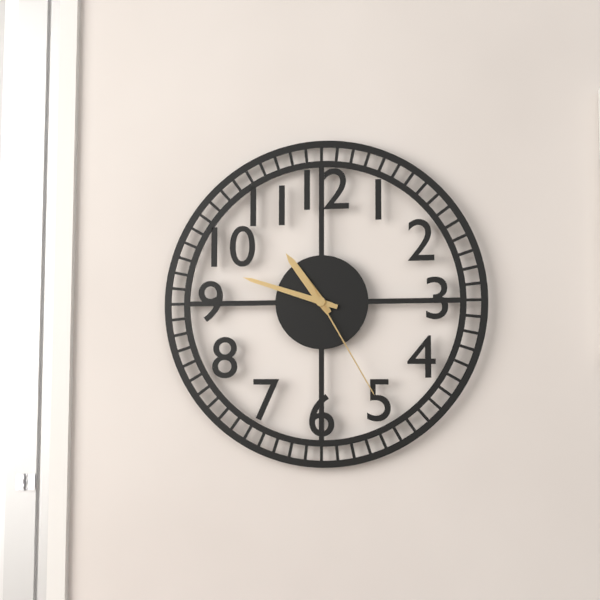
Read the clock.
10:48:25
